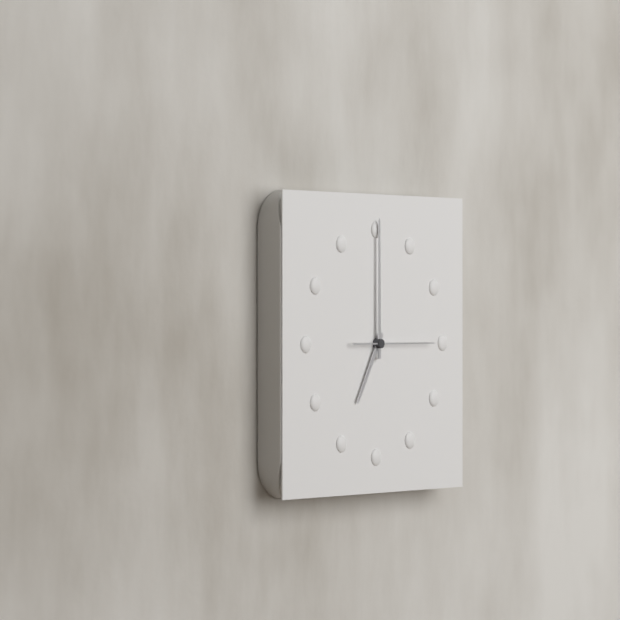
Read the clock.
7:00:15
